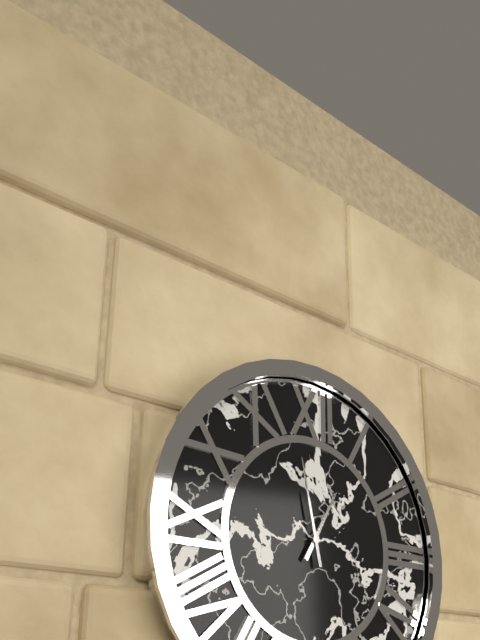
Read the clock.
12:58
